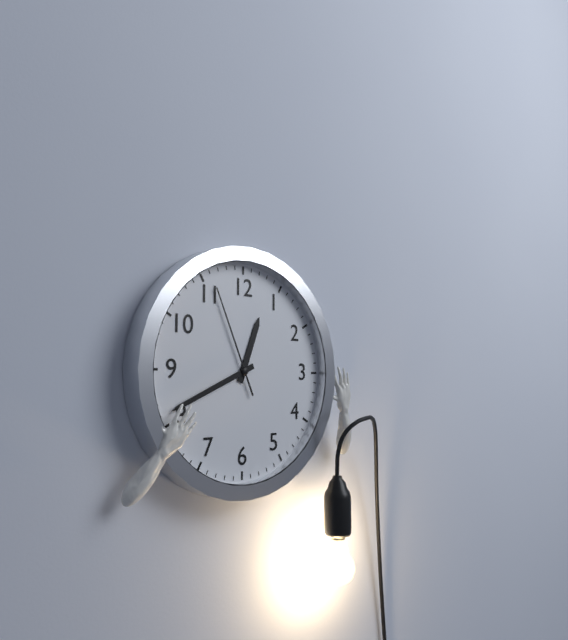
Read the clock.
12:41:56
